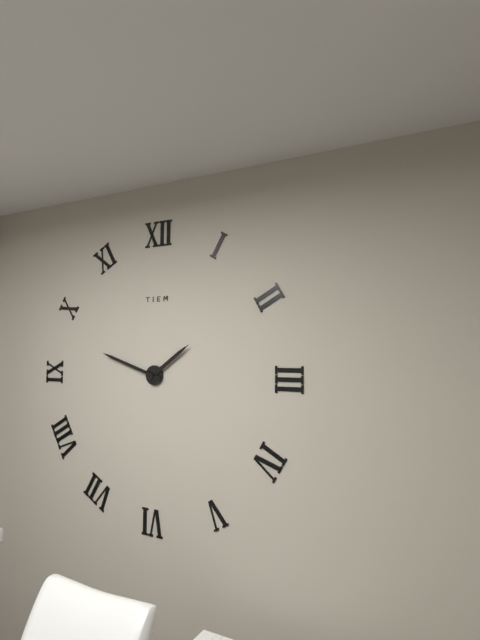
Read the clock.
1:48
